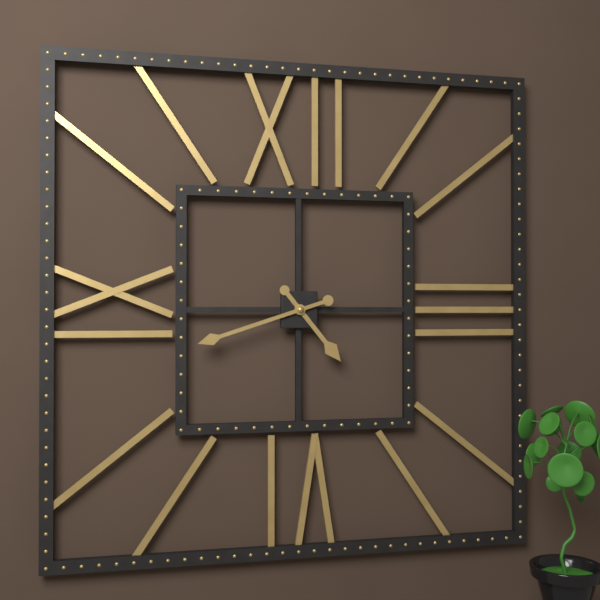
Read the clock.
4:42
